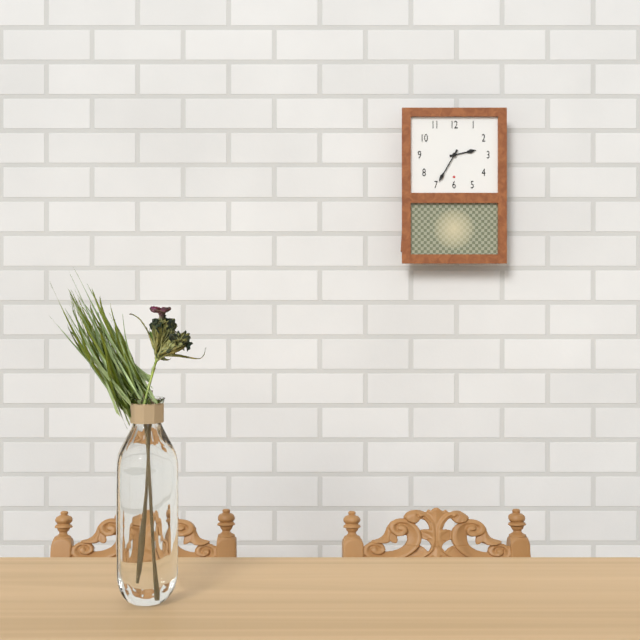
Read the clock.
2:35
